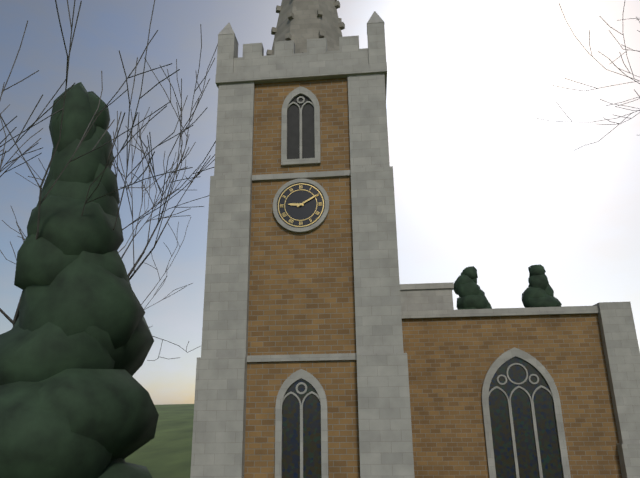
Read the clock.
9:10
